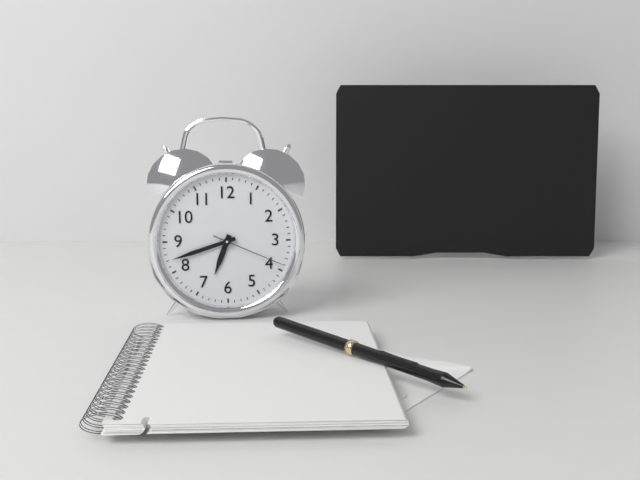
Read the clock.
6:42:19
